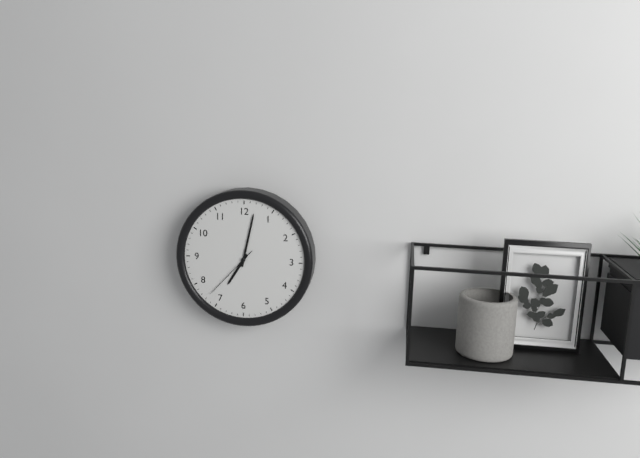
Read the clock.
7:02:37
